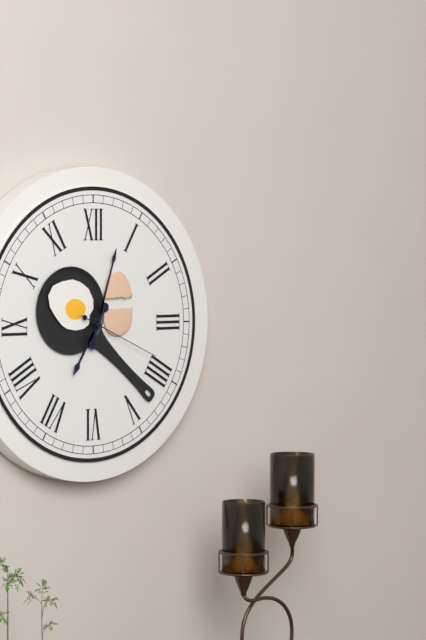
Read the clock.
7:03:19
